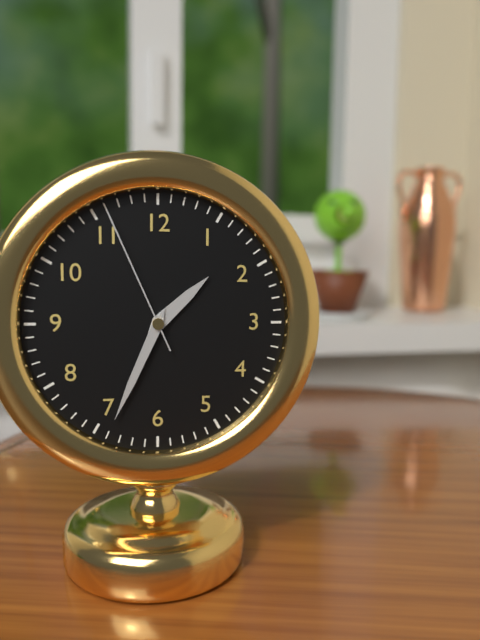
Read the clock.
1:34:56
